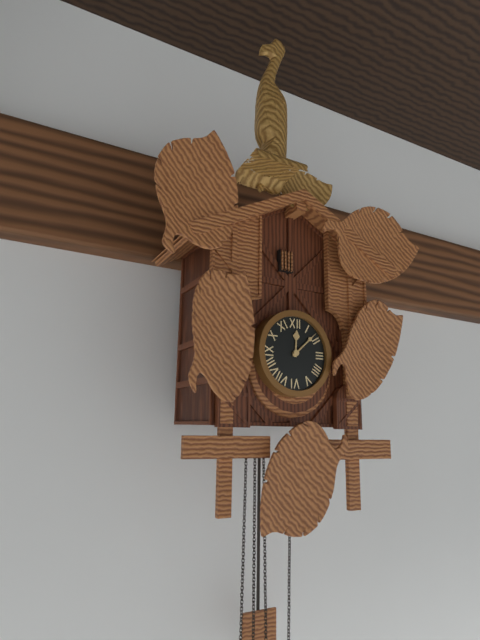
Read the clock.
12:08
